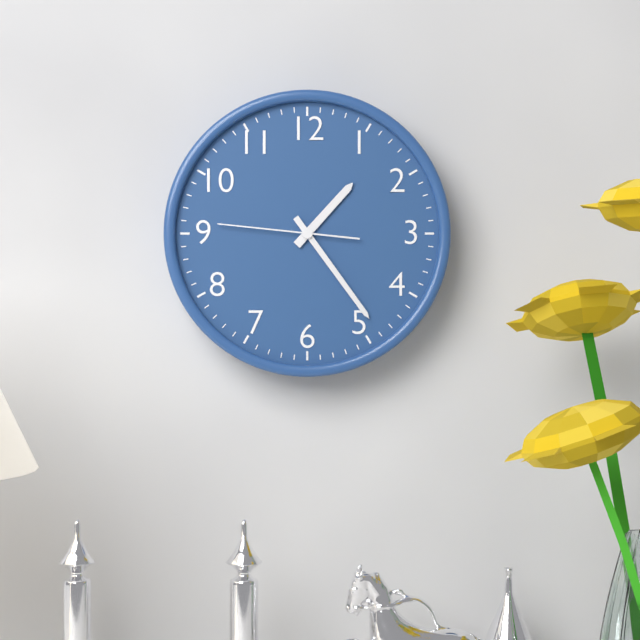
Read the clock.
1:24:46
